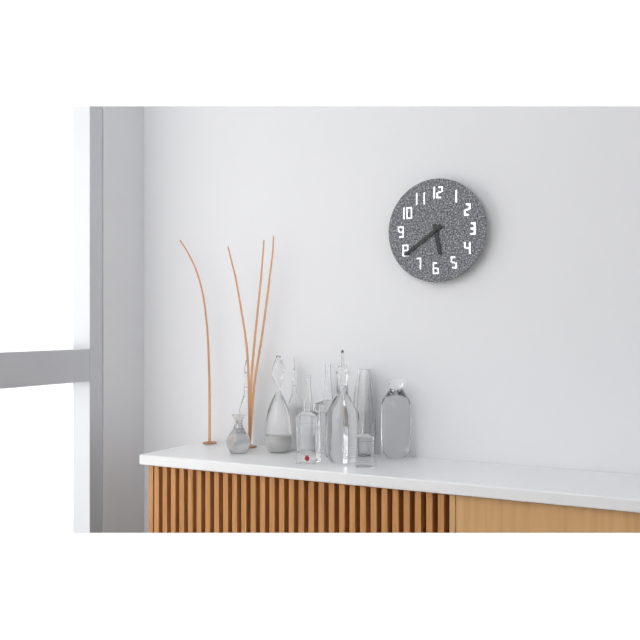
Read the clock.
5:39
